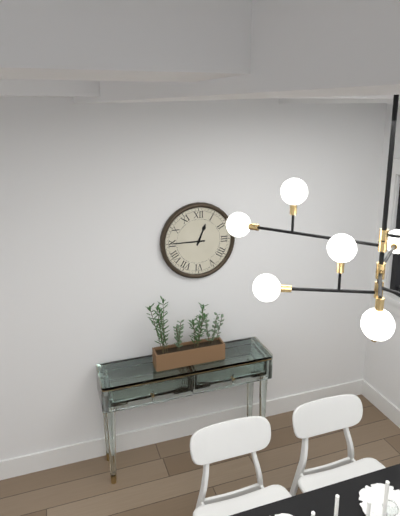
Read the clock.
12:45
